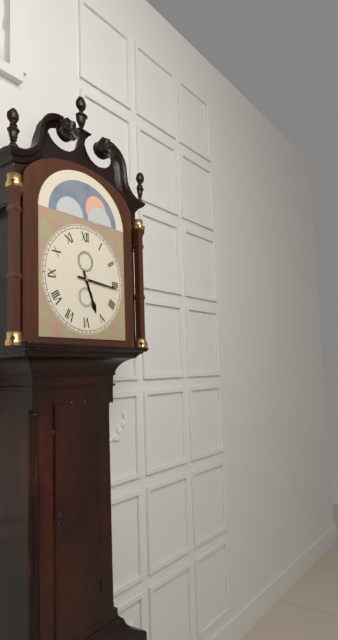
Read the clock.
5:16
